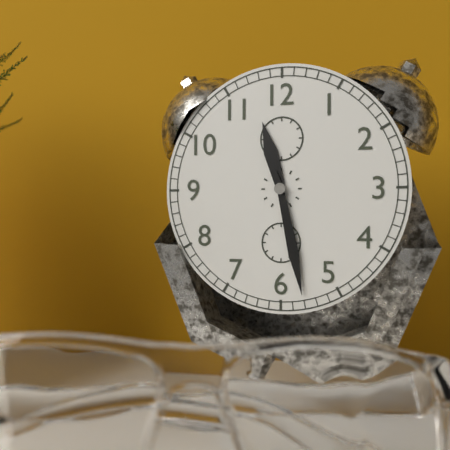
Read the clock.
11:28
